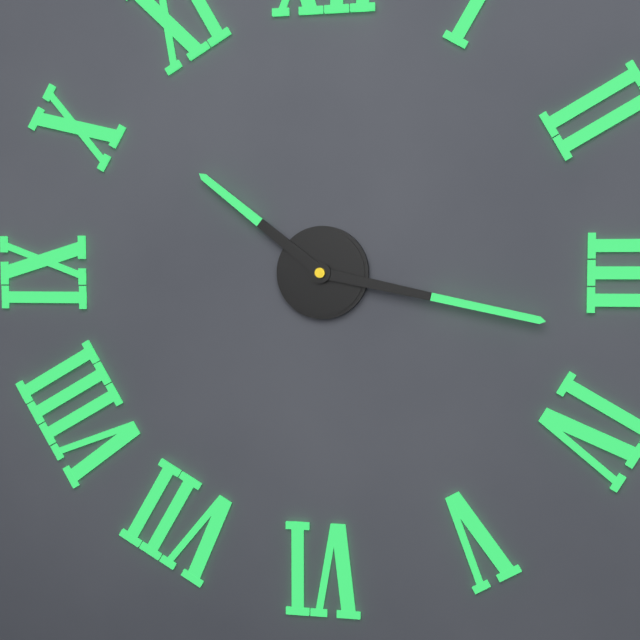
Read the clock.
10:17
